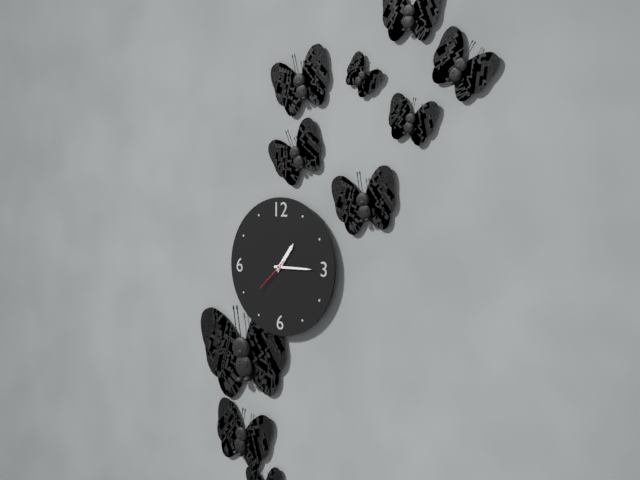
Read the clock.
1:15
